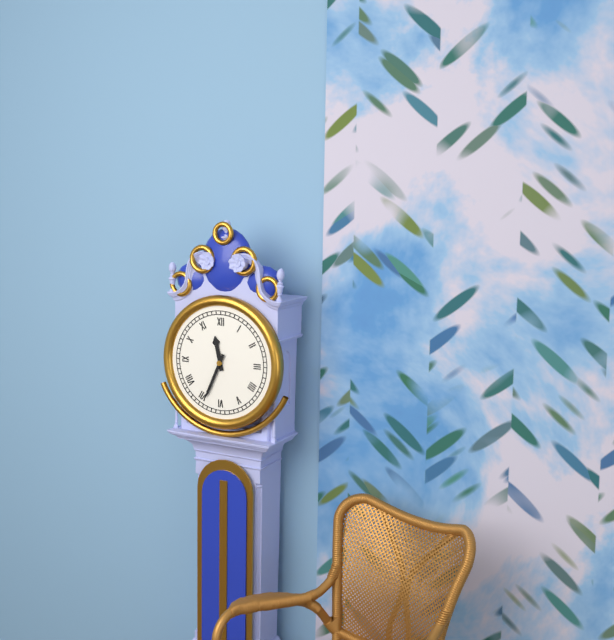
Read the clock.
11:34
